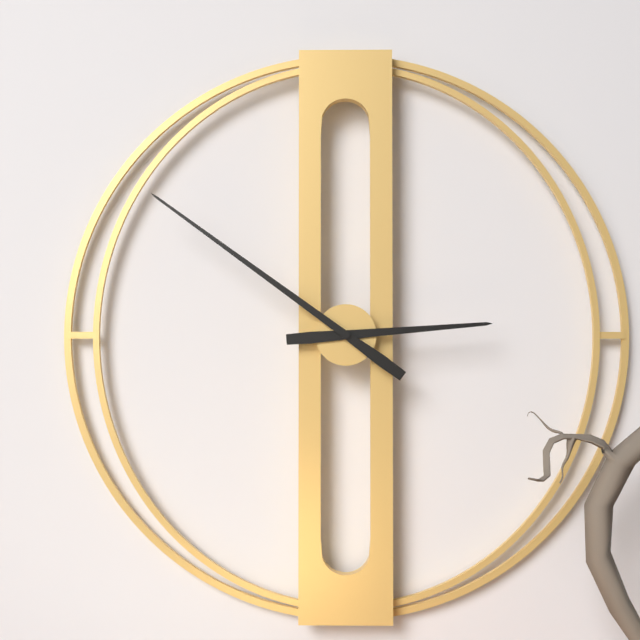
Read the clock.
2:51
